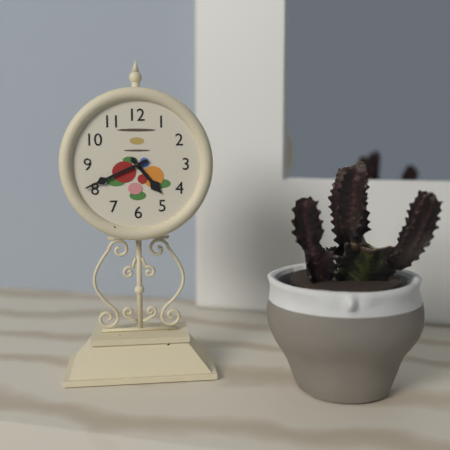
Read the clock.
4:41
